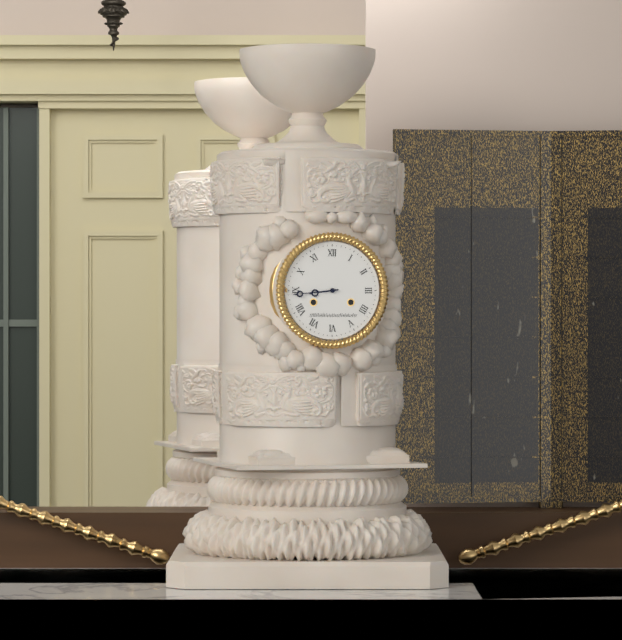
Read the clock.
8:44
